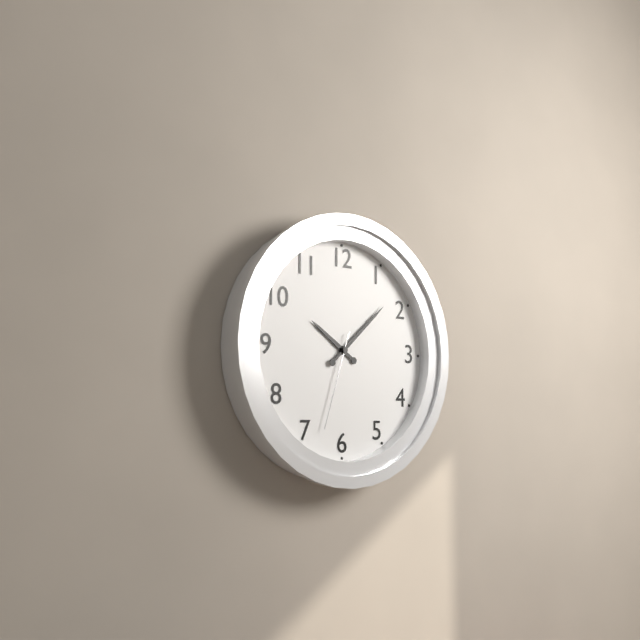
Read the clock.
10:08:33
